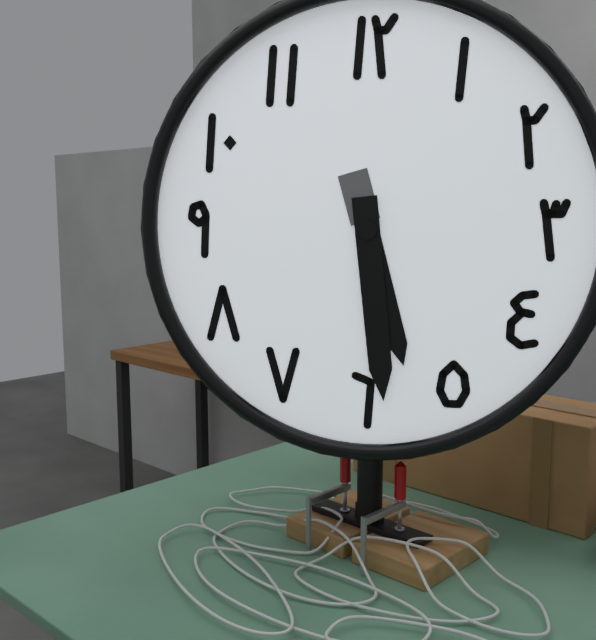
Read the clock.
5:29
